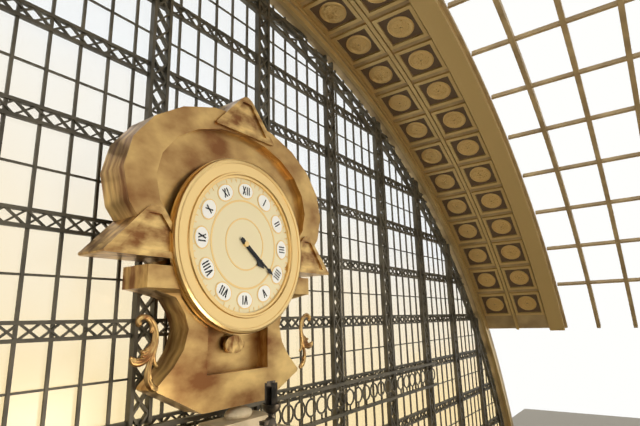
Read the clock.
4:21
